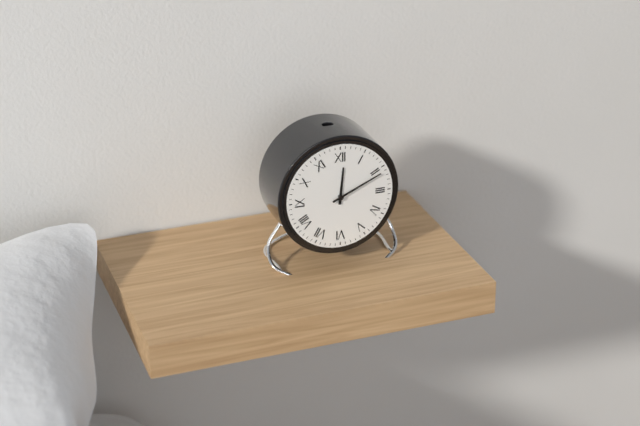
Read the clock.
12:11
